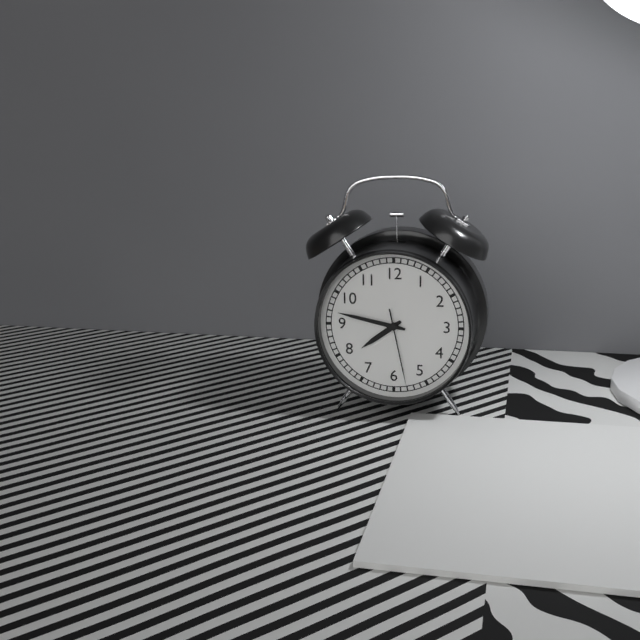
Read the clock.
7:47:28
